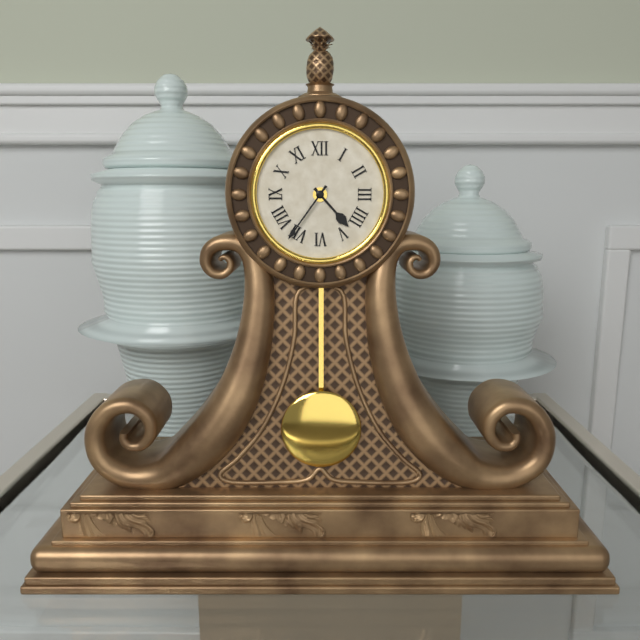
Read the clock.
4:36
